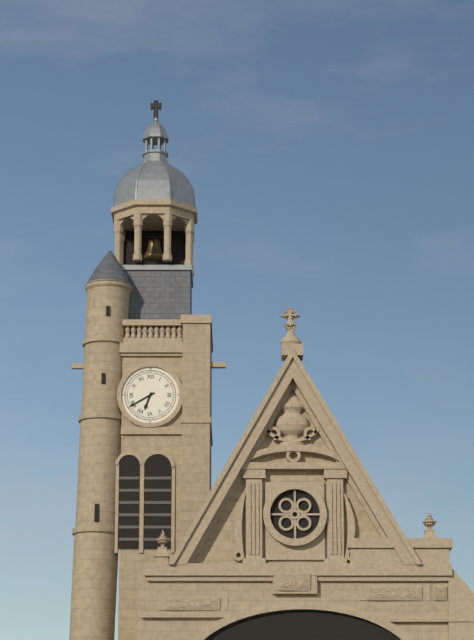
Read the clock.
6:40
